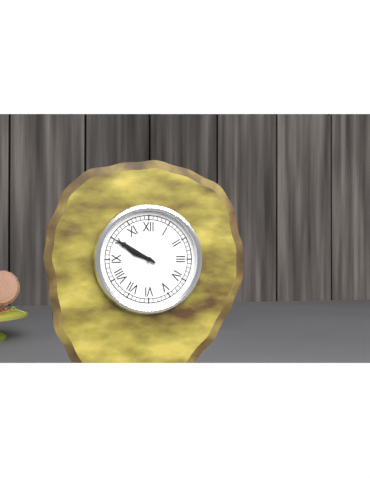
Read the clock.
9:50
